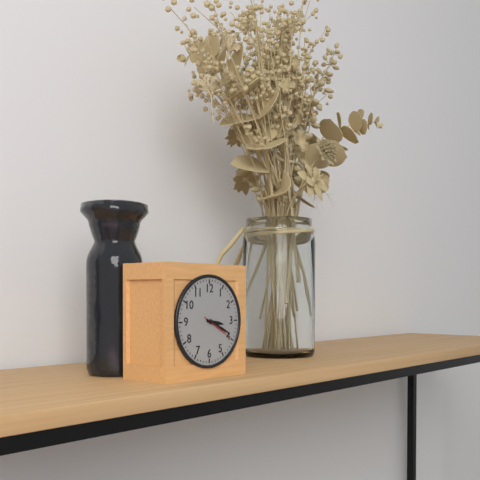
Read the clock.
3:19
